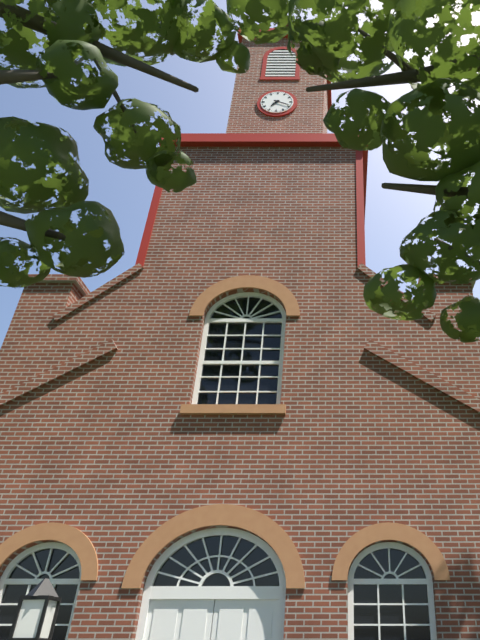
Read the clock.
7:19
